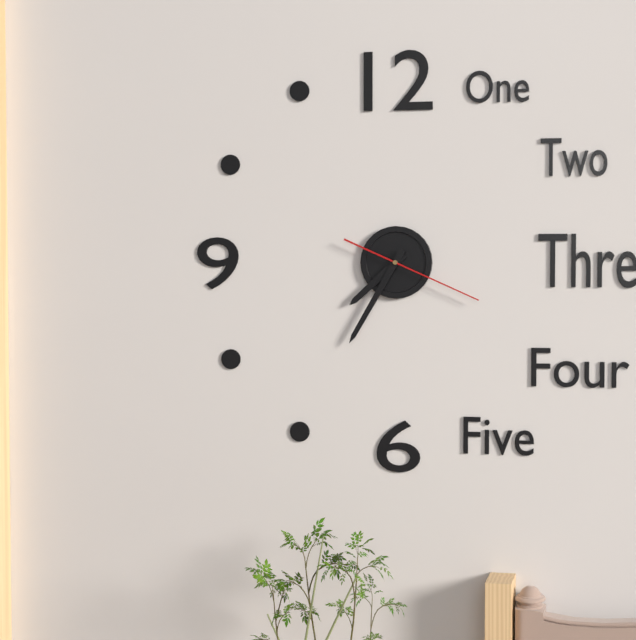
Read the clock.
7:35:19
